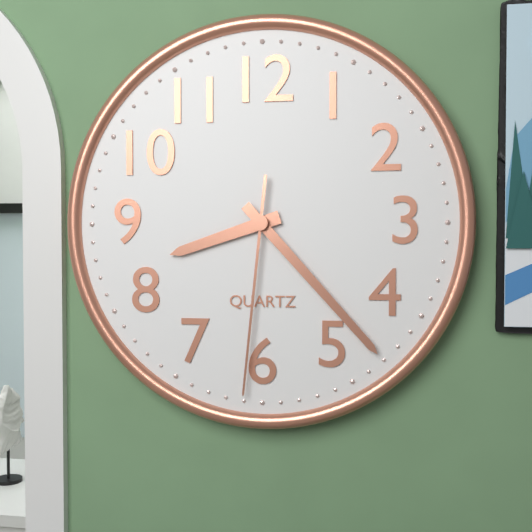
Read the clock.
8:23:31
